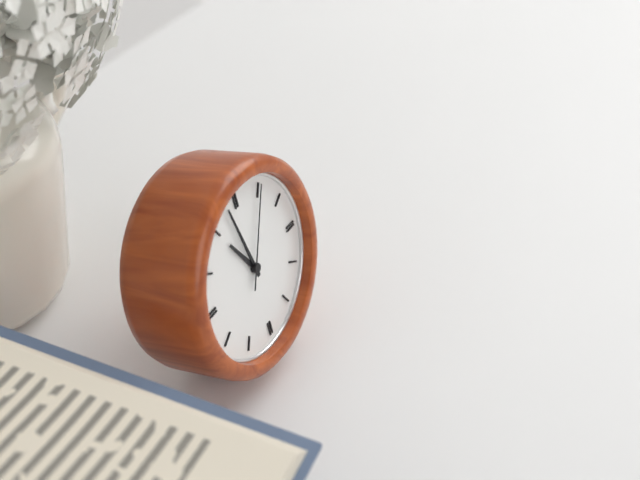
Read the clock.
10:58:05
